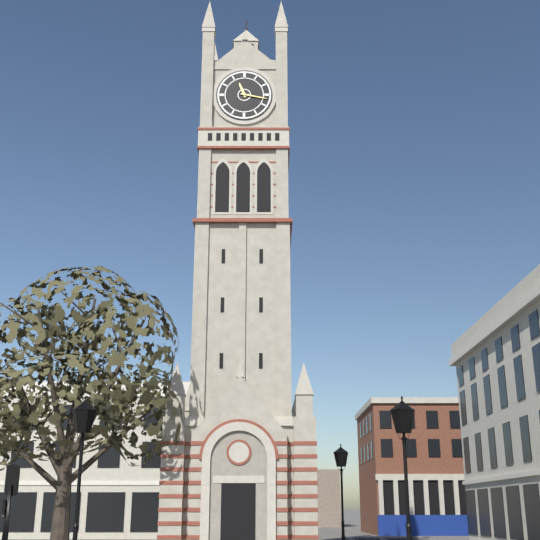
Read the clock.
11:17
